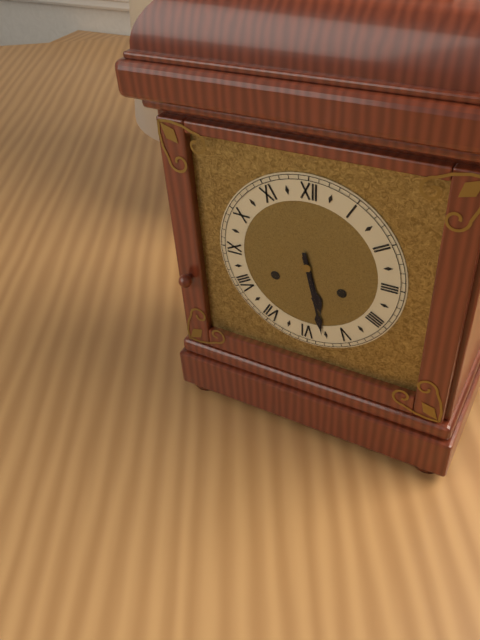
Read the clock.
5:28
